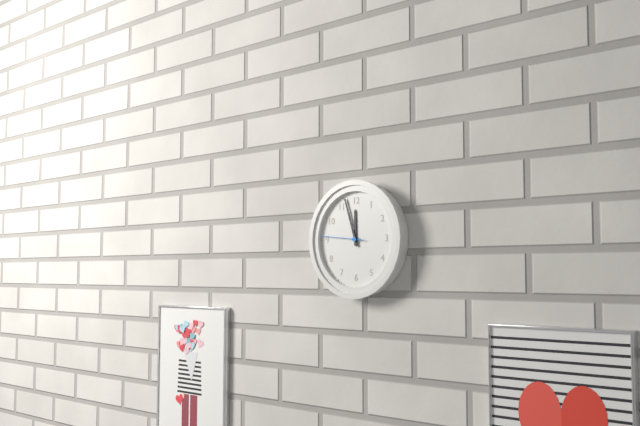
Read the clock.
11:57
